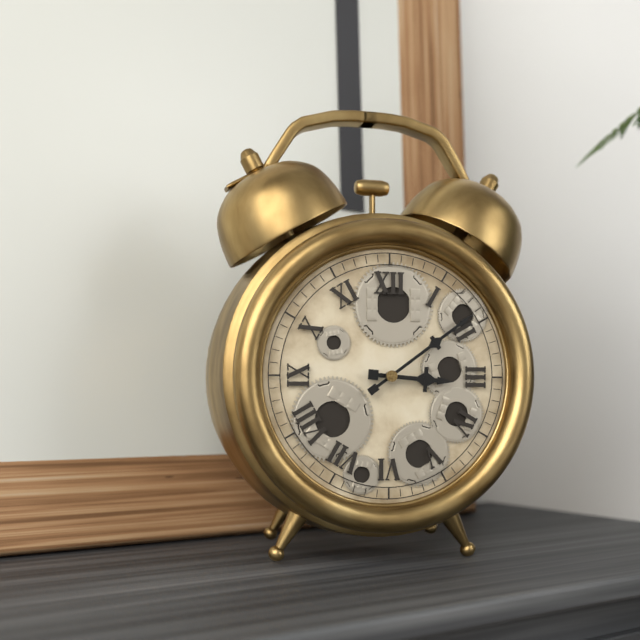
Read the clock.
3:09
